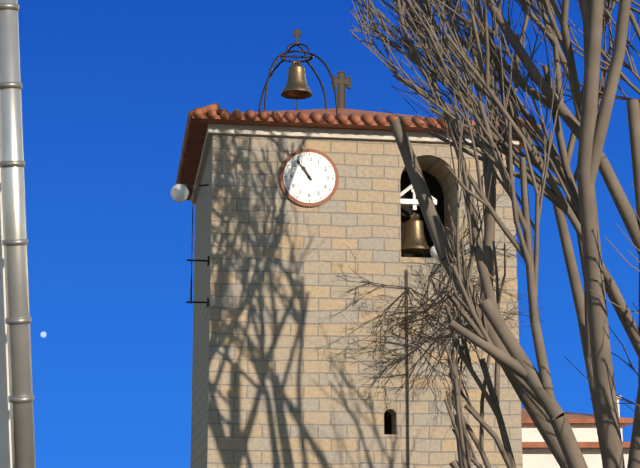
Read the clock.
10:54
